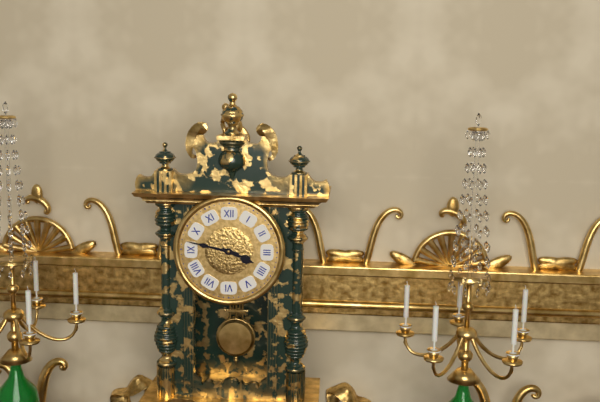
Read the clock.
3:47
